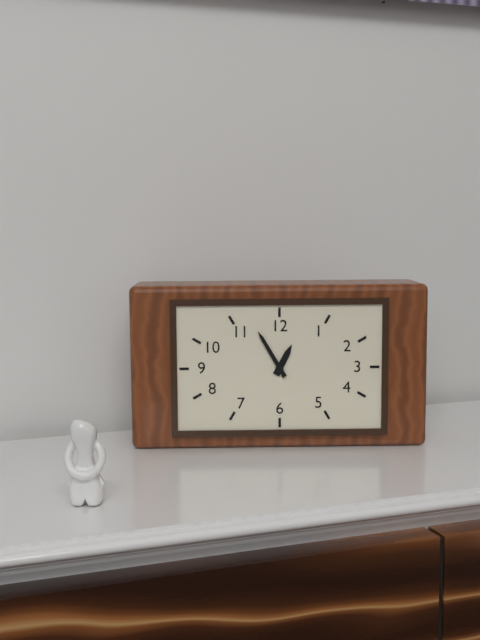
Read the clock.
12:55
